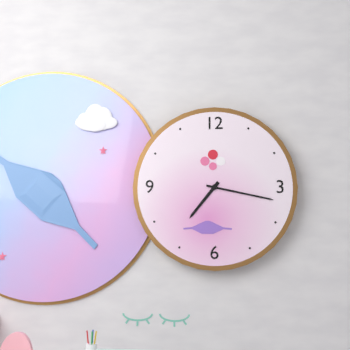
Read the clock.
7:17
